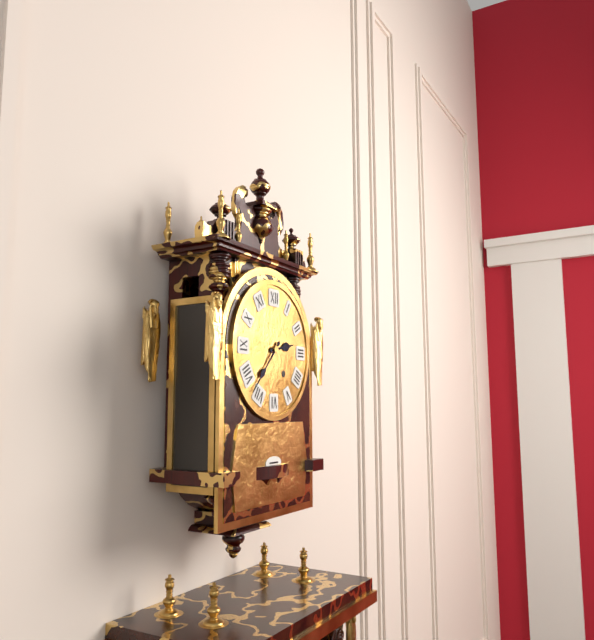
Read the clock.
2:37
